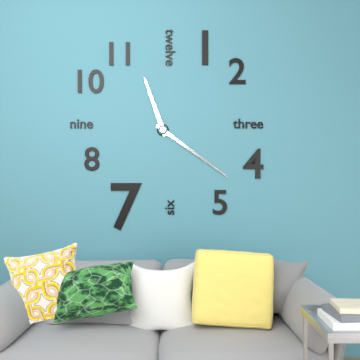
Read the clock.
11:21
